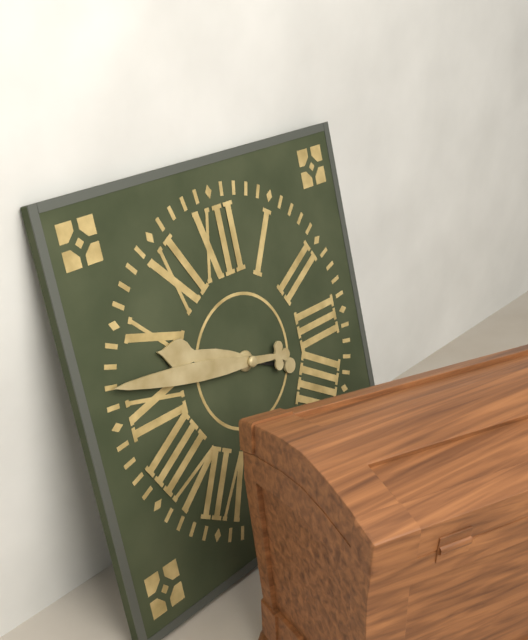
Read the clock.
9:47
